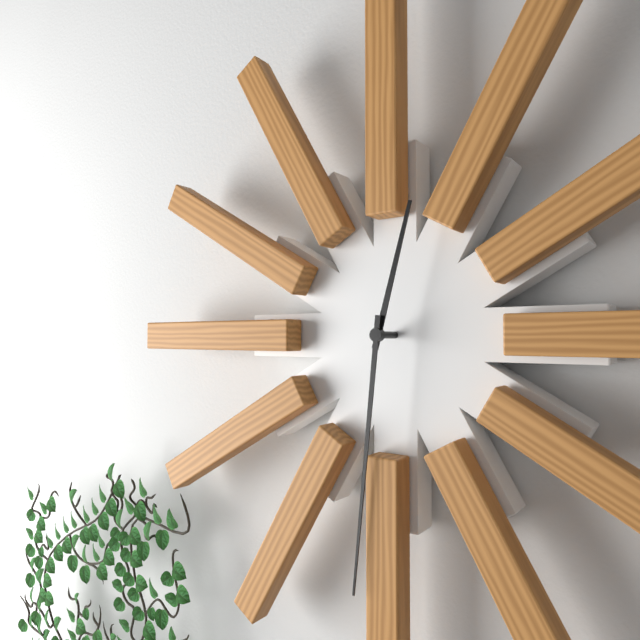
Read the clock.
12:31
